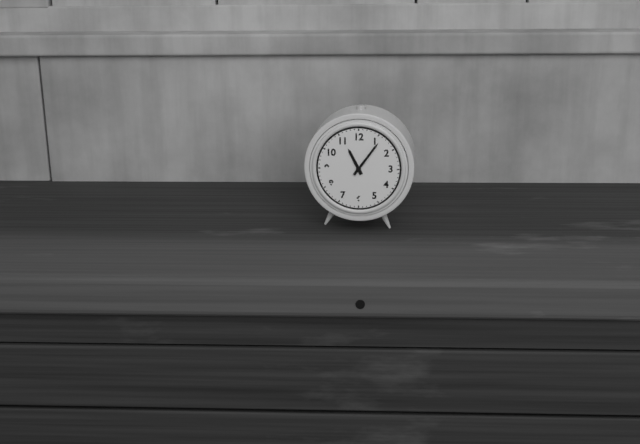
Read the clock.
11:06
